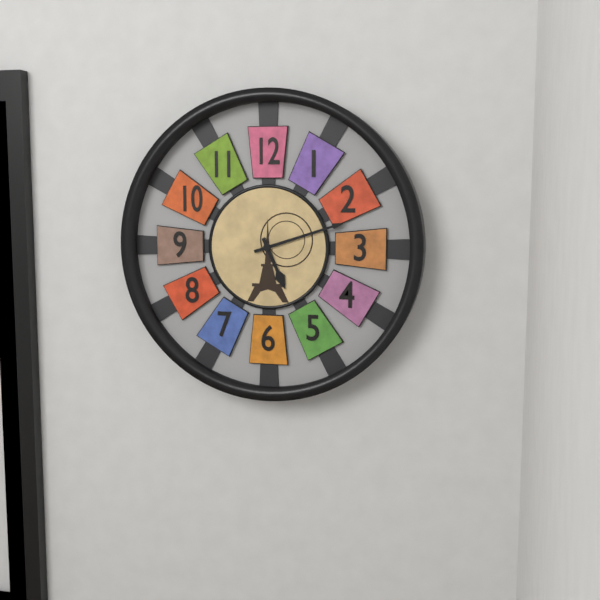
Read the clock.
5:12
